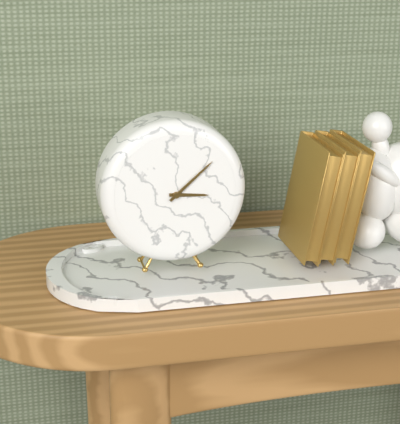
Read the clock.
3:08
